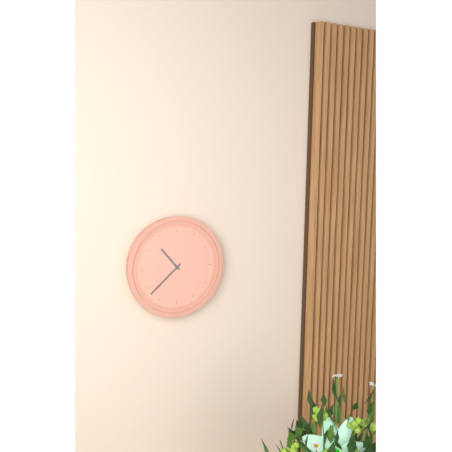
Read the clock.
10:38
